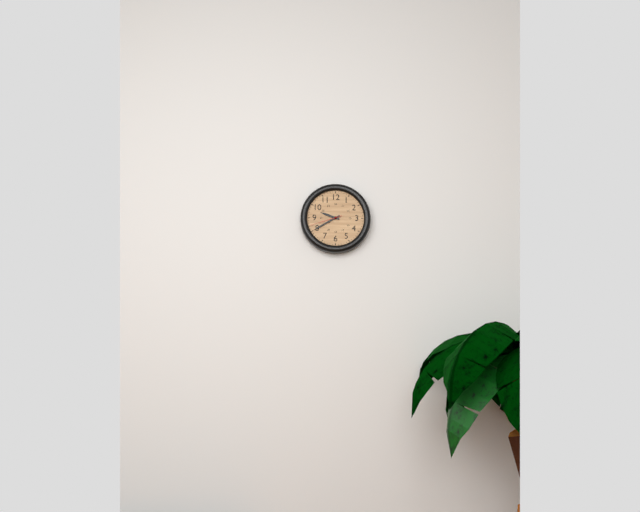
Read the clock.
9:40
